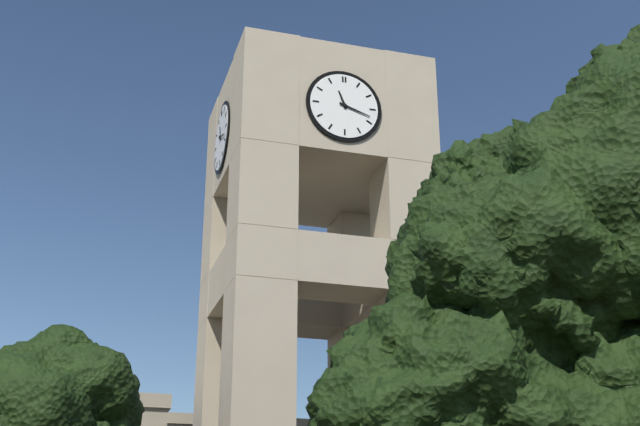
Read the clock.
11:18
